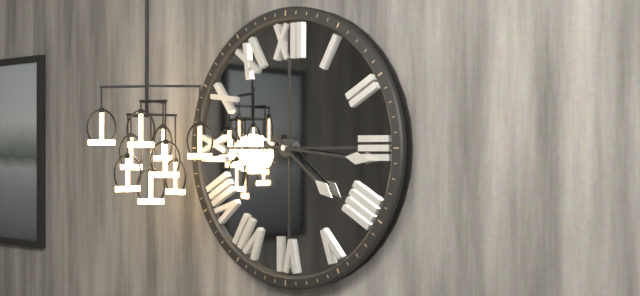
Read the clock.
4:16
